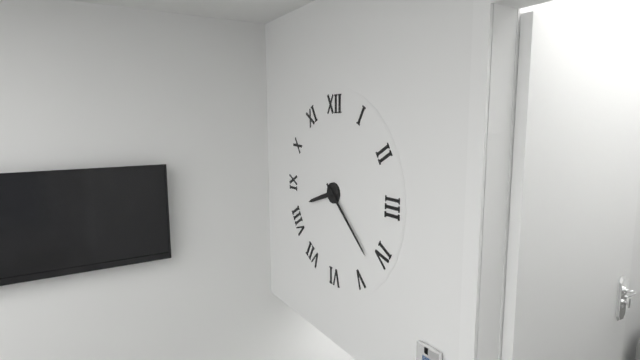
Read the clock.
8:22
